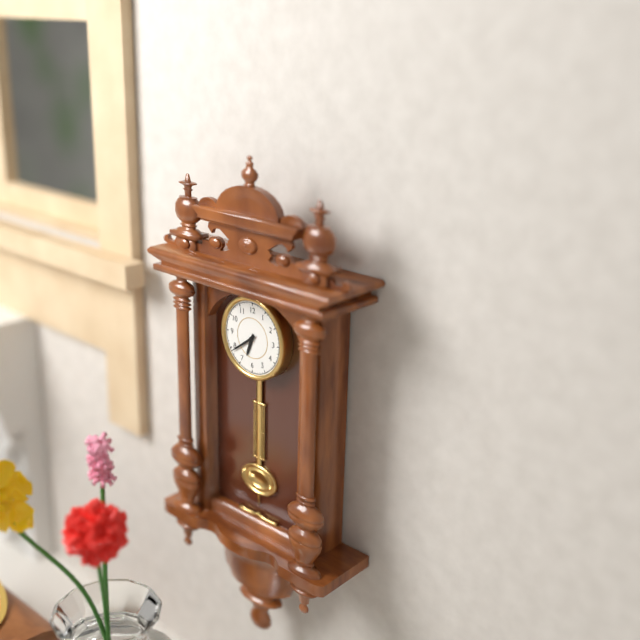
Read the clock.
6:39
